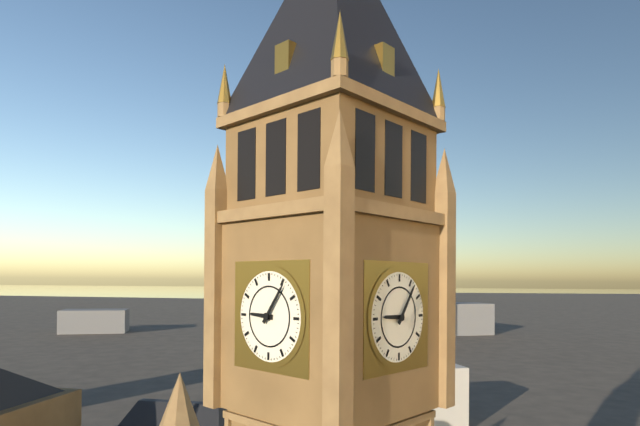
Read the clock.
9:06
